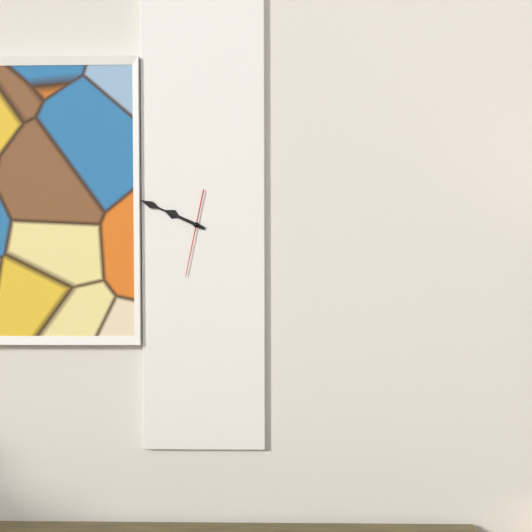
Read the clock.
9:49:32
